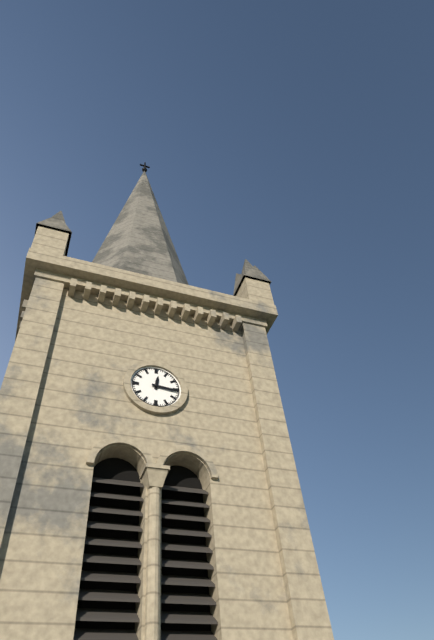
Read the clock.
12:16
